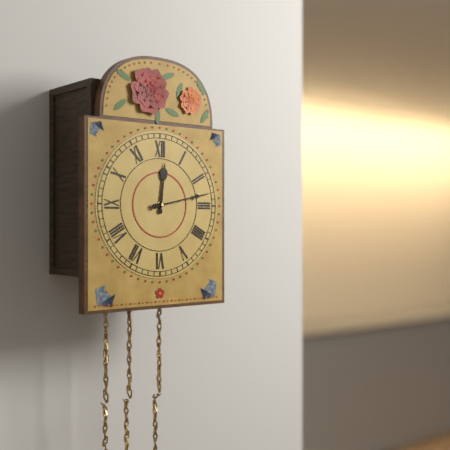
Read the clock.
12:13
